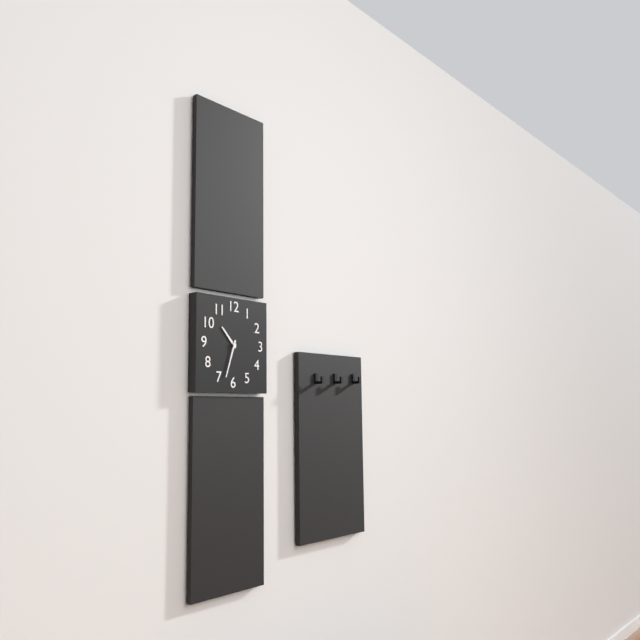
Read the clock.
10:33
